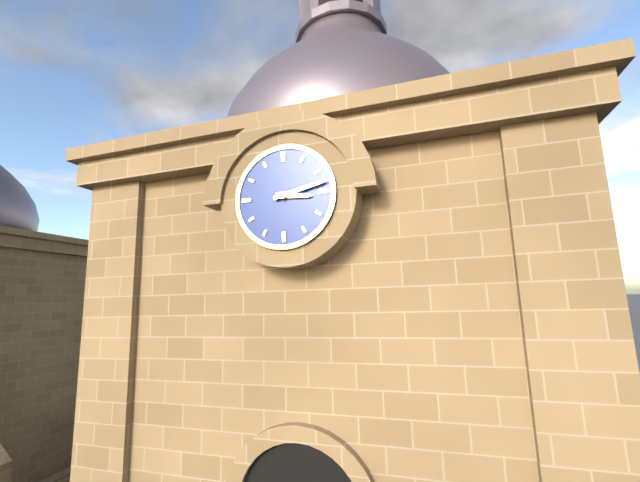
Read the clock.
3:13
